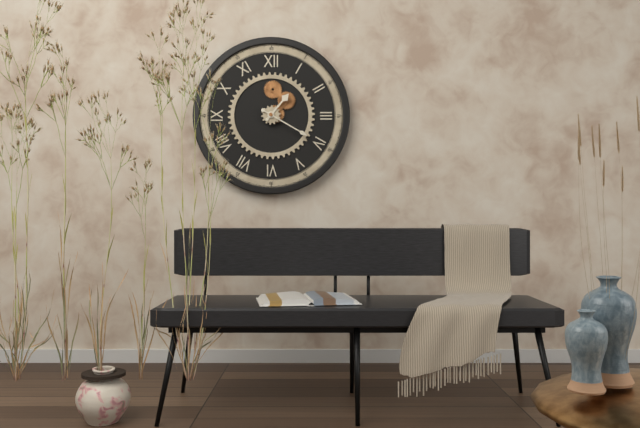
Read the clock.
1:20
